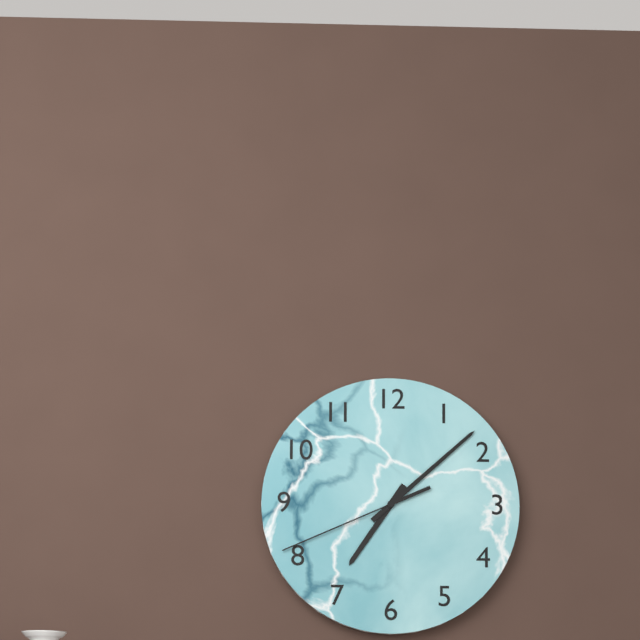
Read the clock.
7:08:41
